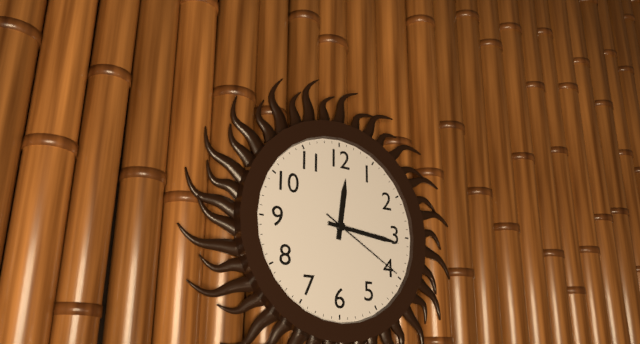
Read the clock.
12:16:20
